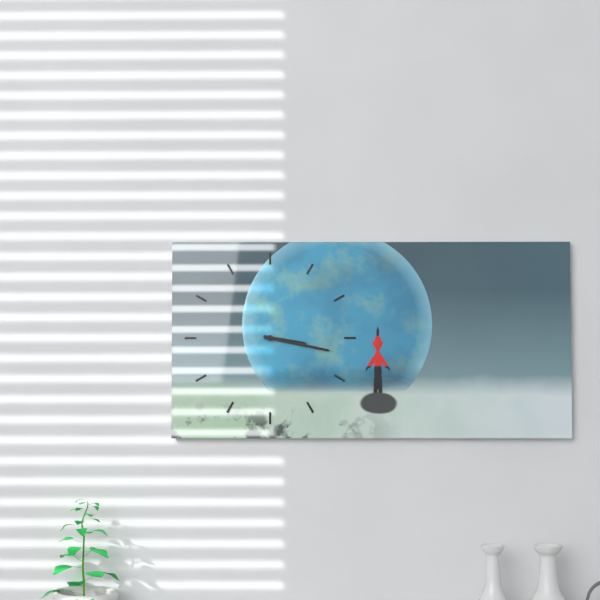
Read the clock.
3:17
